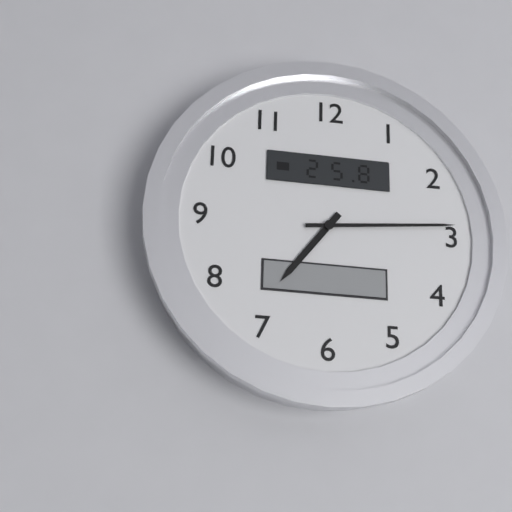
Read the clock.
7:14
